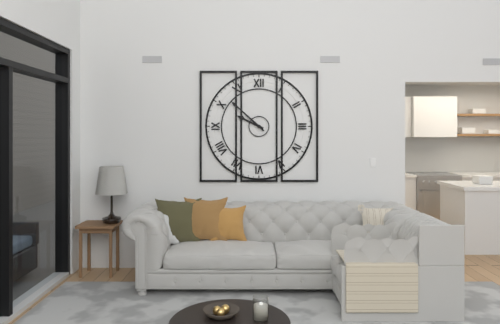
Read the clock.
9:52
